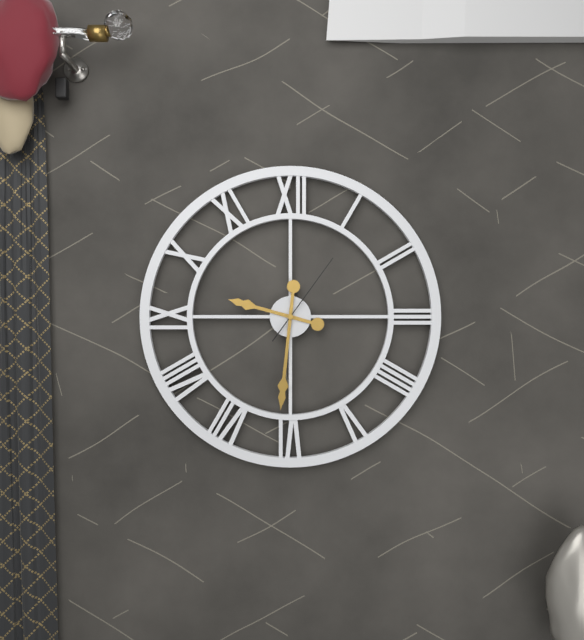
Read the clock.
9:31:06
